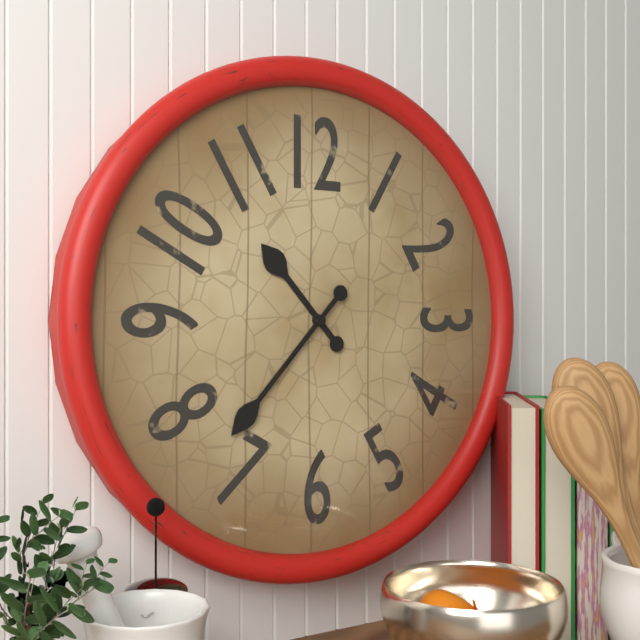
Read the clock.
10:37
